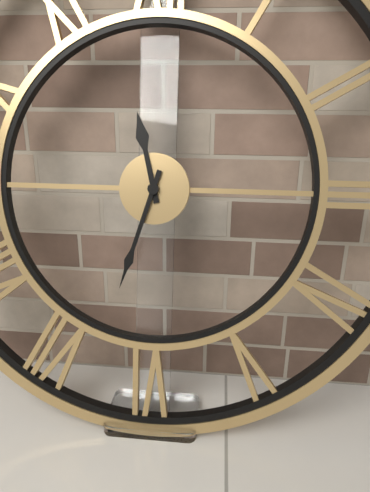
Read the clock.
11:33
